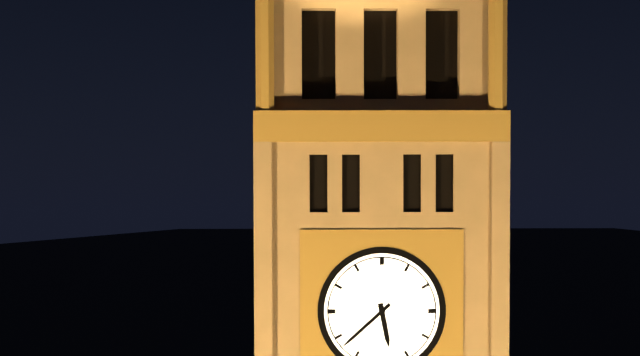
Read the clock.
5:38
